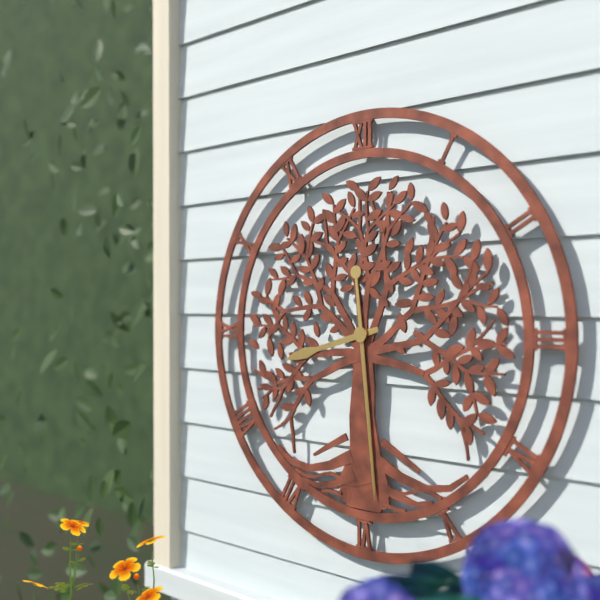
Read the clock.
8:29
